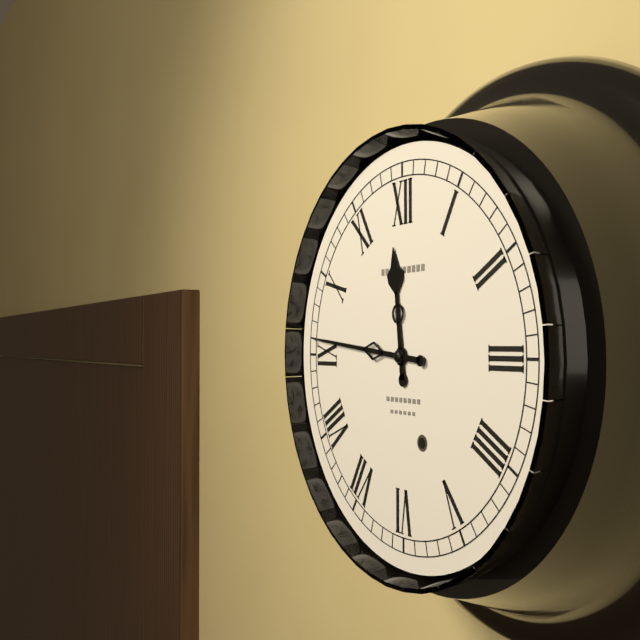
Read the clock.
11:46
